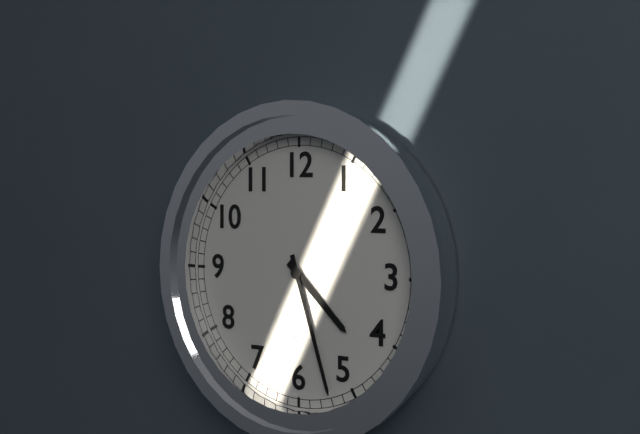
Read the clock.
4:27
